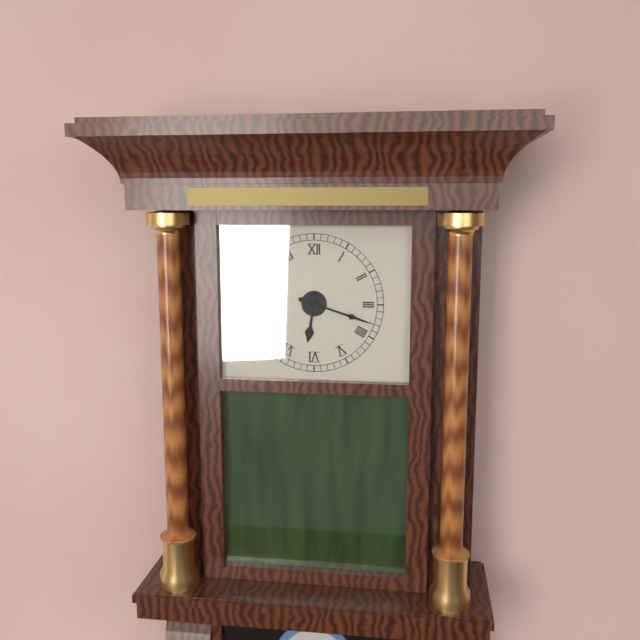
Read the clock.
6:18
